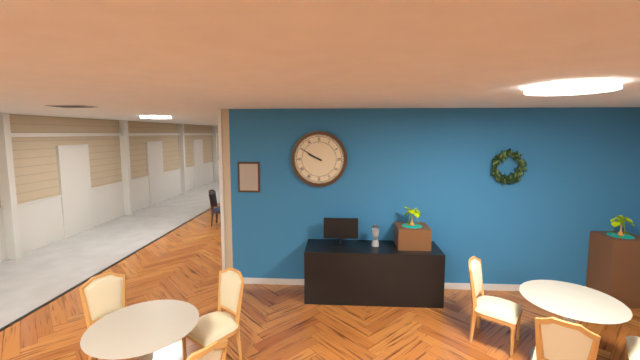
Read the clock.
9:50
